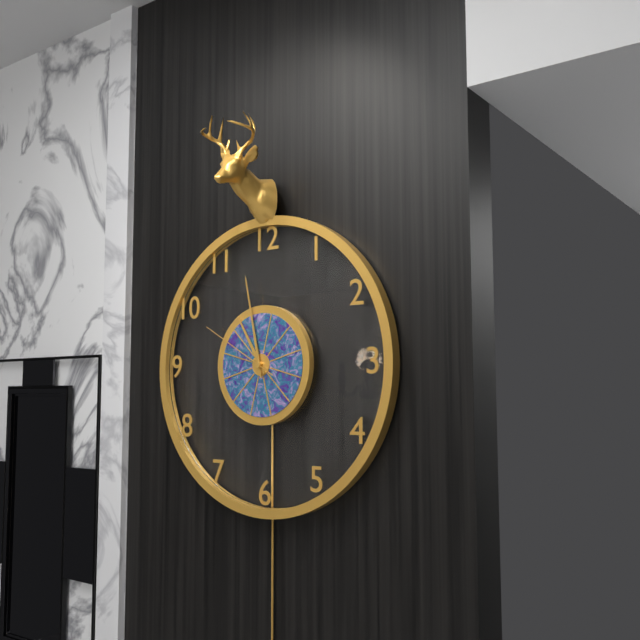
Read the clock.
10:58:50
